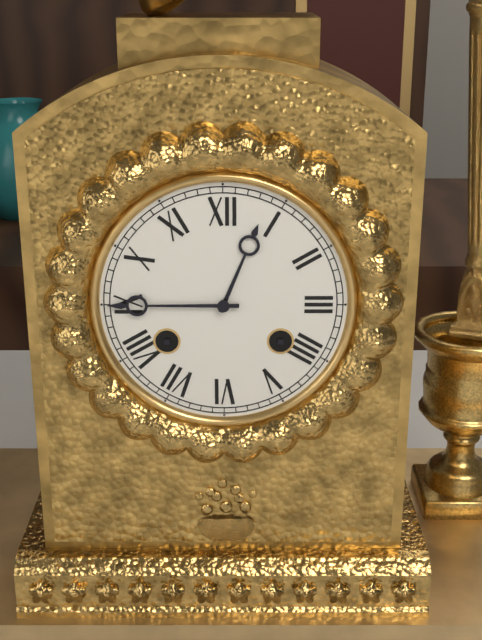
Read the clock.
12:45
